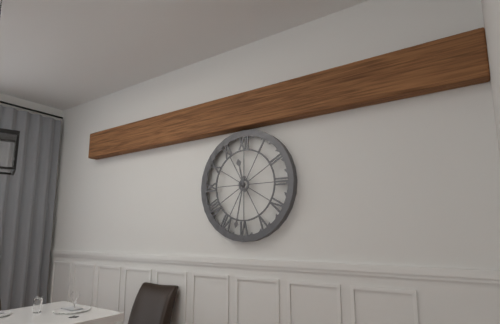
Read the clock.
11:32
